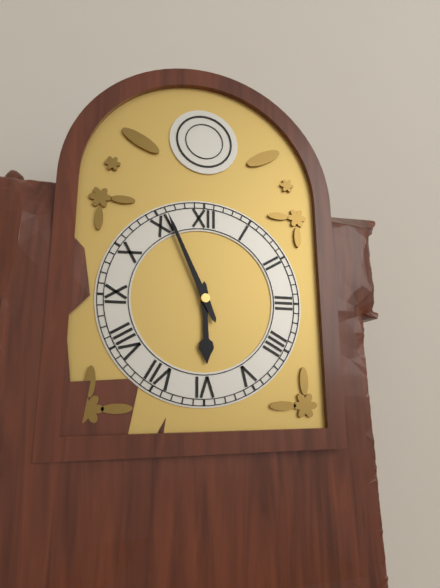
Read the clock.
5:56
